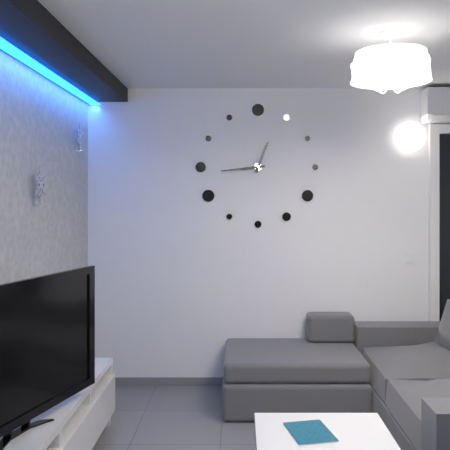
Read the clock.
12:44
